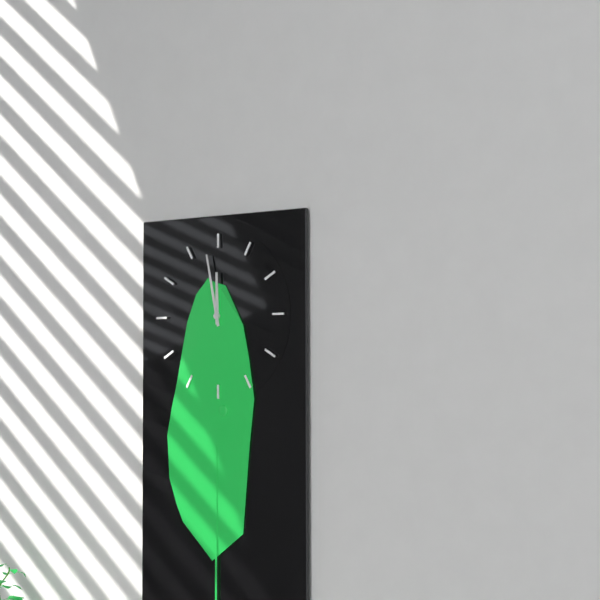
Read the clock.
11:58
